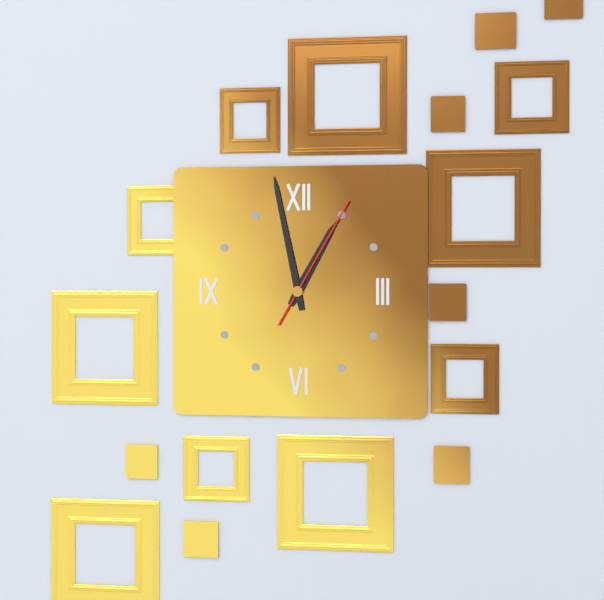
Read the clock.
12:58:05
